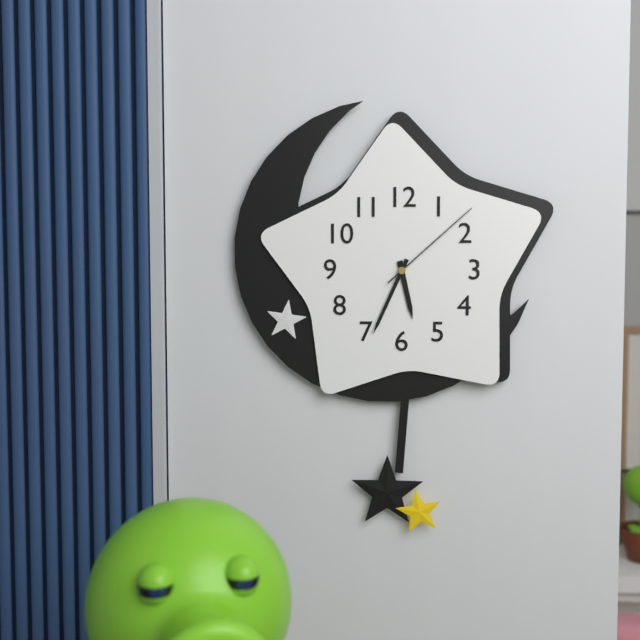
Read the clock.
5:34:08
